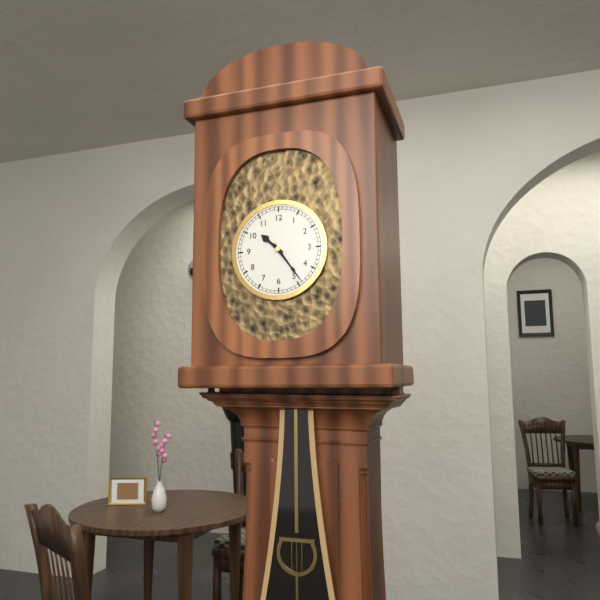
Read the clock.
10:24
